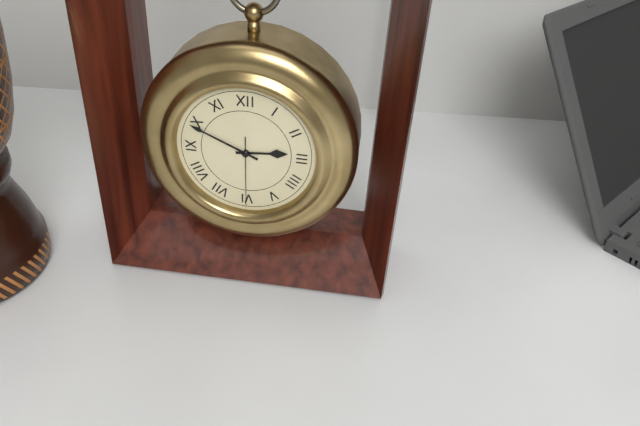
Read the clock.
2:49:30
